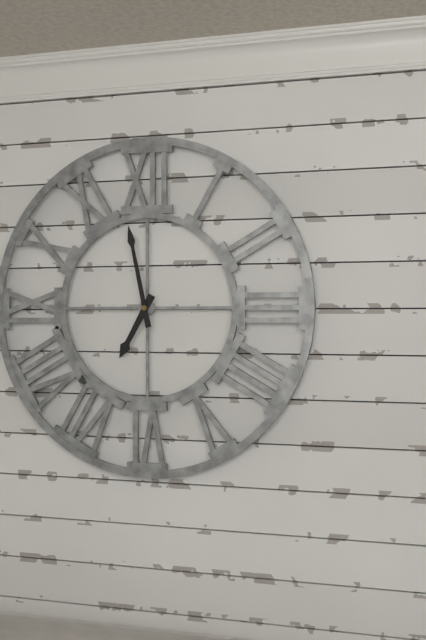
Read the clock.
6:58
